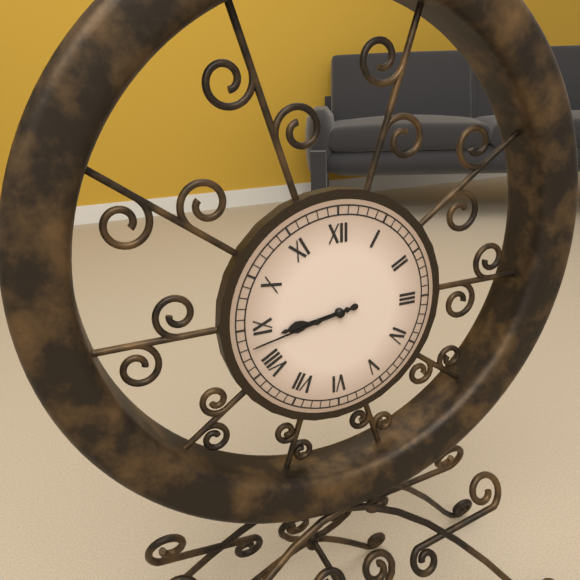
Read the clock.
8:43
